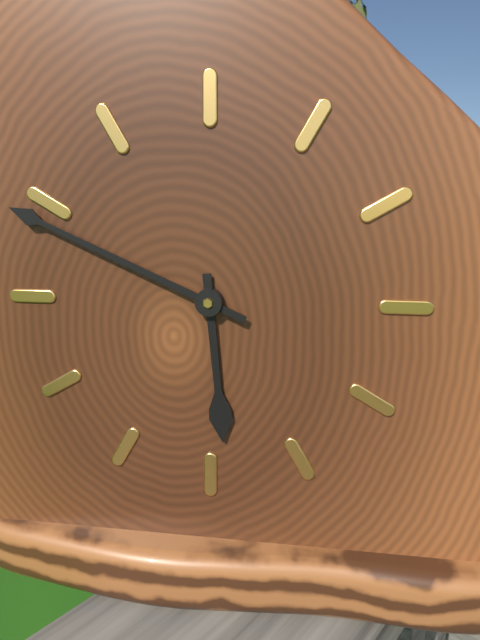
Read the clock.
5:49
